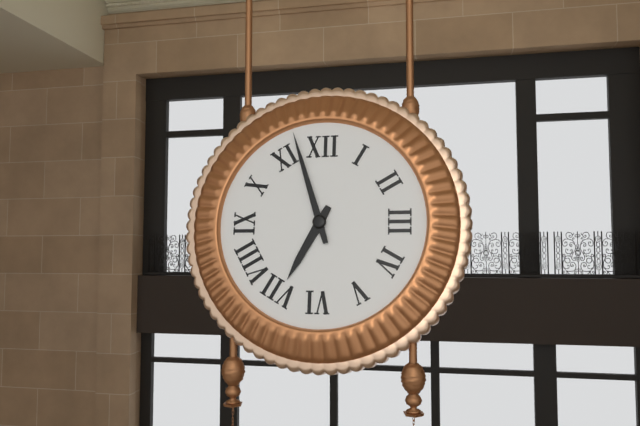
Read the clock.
6:57
